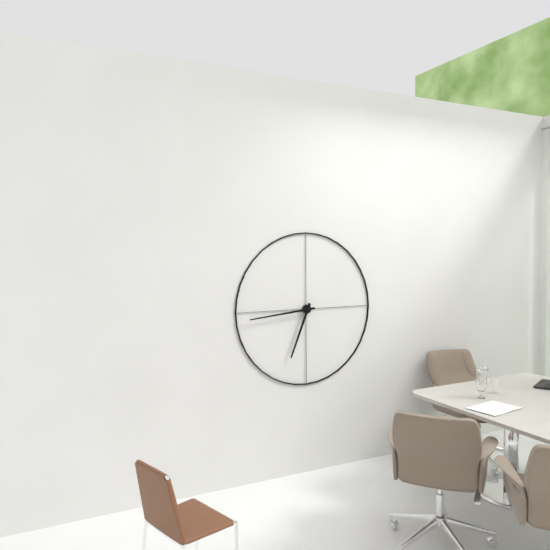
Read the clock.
6:44
